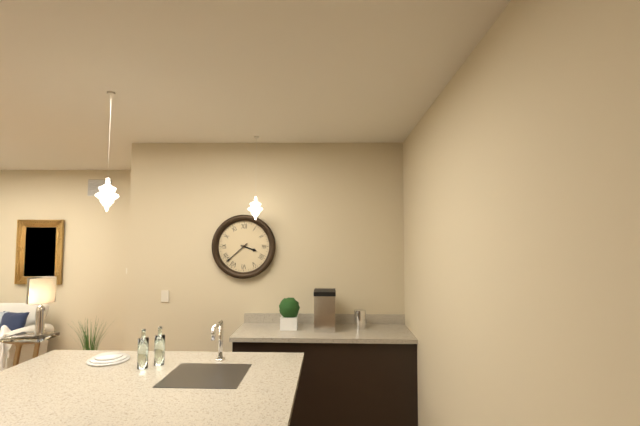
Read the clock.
3:38
